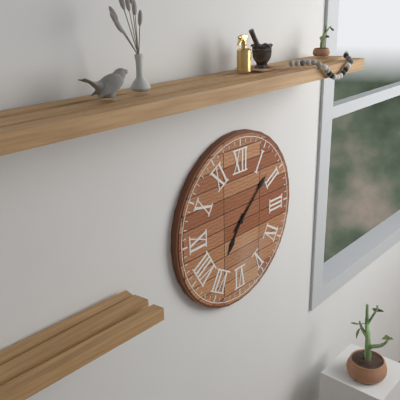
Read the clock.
7:08
